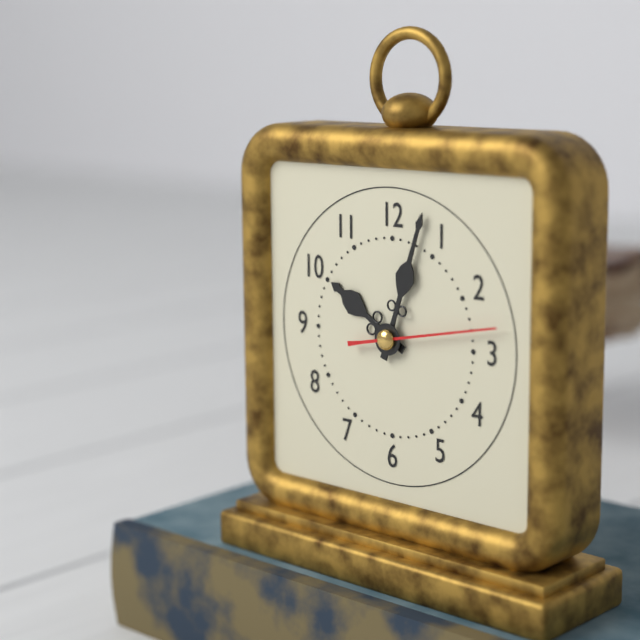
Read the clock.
10:03:13
